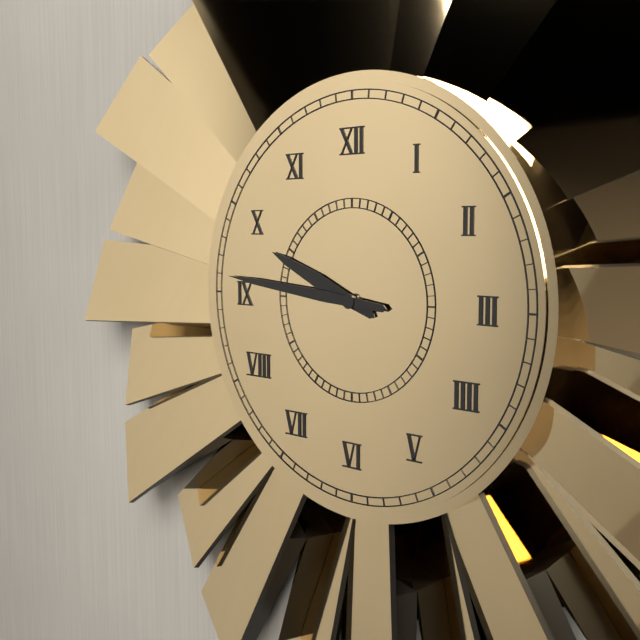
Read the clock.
9:46
